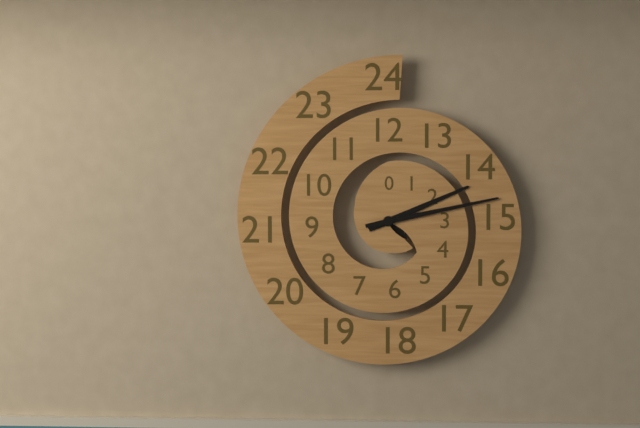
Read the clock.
2:13
